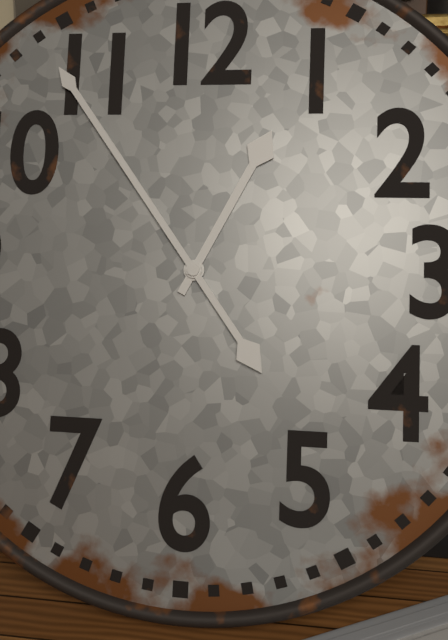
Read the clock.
12:54
